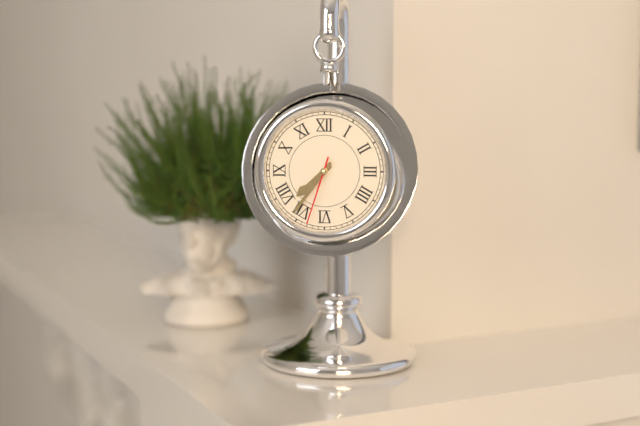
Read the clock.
7:36:33
